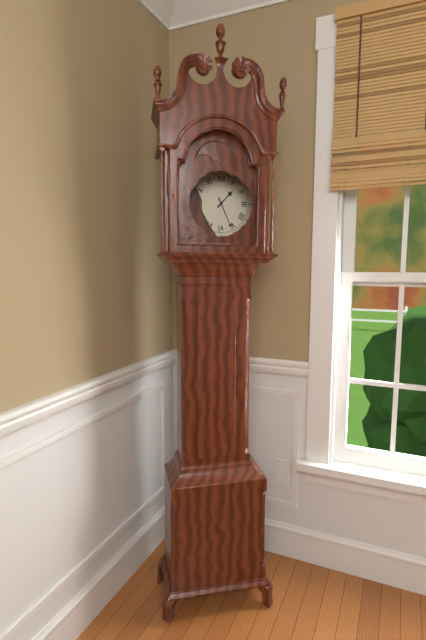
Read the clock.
1:26
